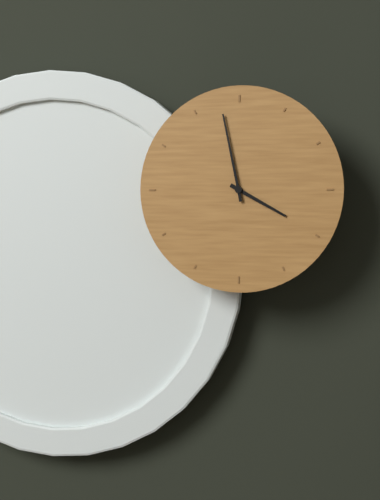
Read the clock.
3:58
